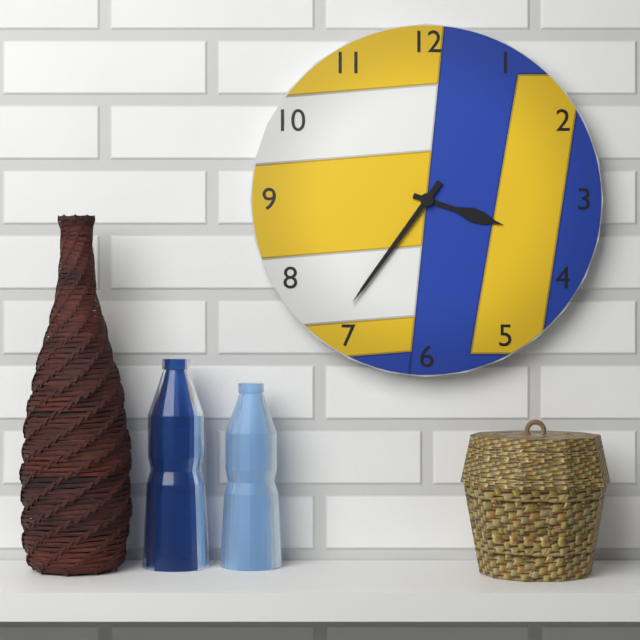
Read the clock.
3:36
